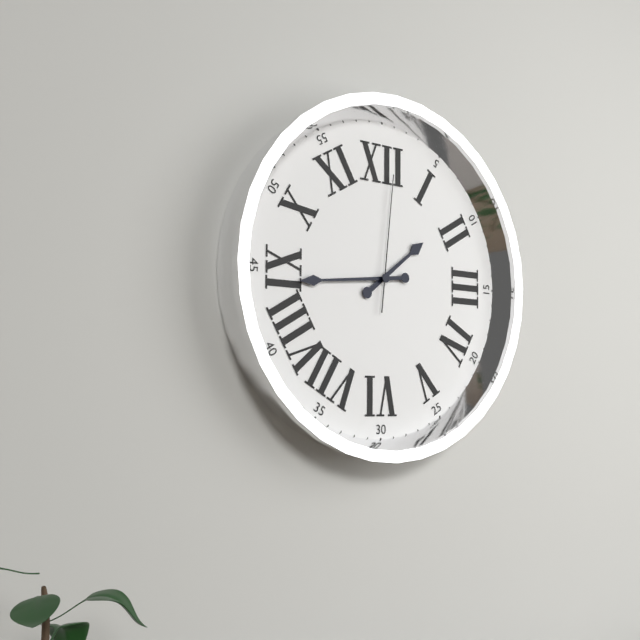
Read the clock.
1:44:01
